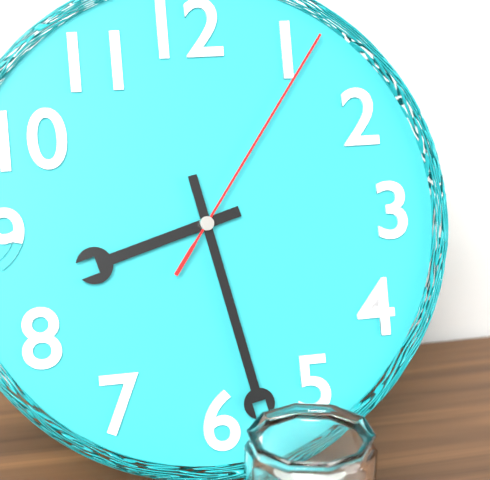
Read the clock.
8:28:06
